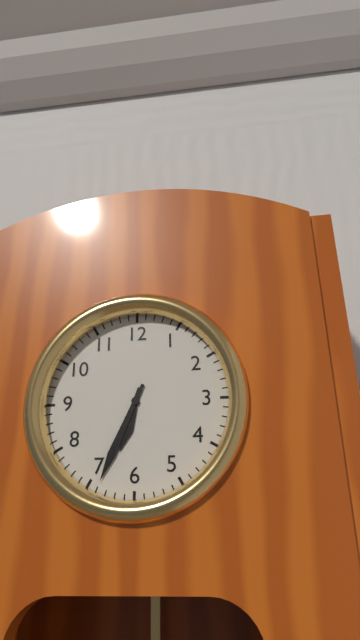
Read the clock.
6:34
